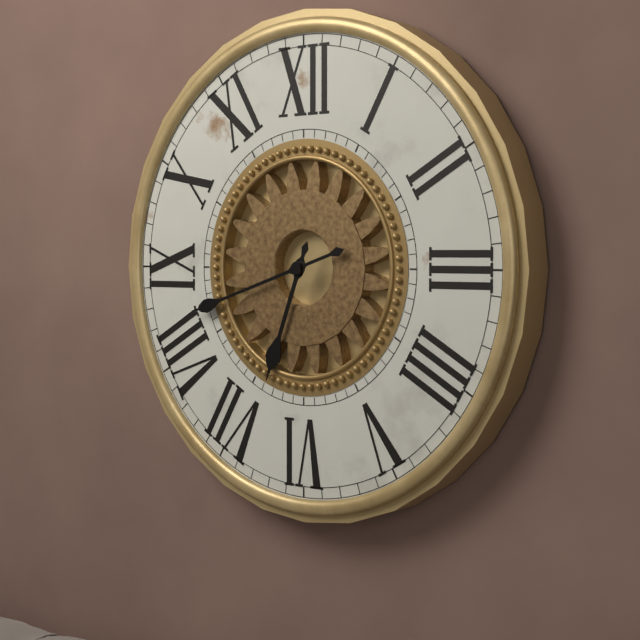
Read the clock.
6:42
